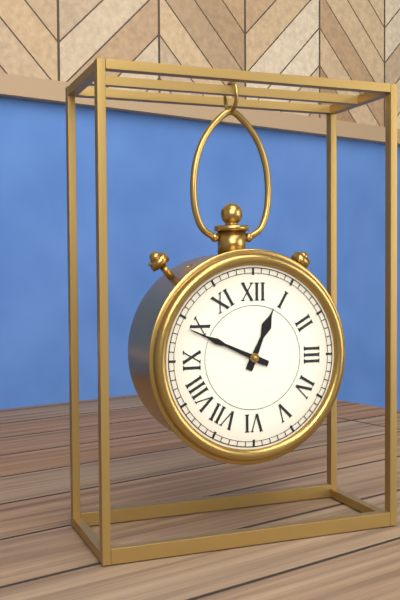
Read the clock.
12:49
